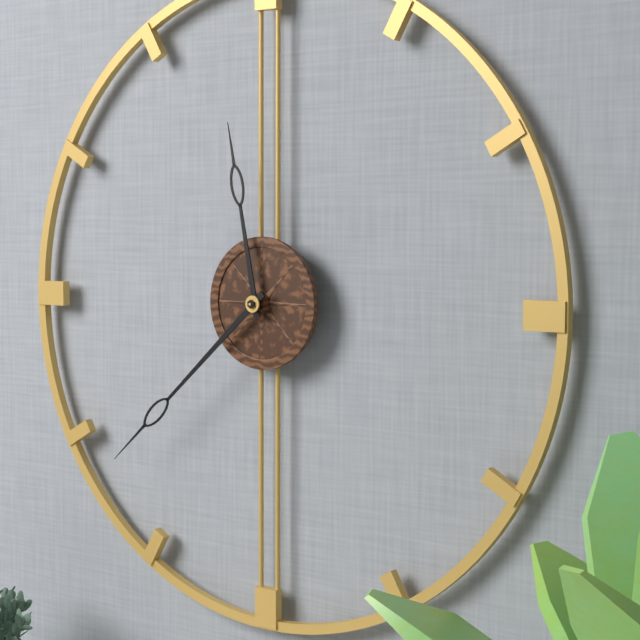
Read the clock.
11:38
